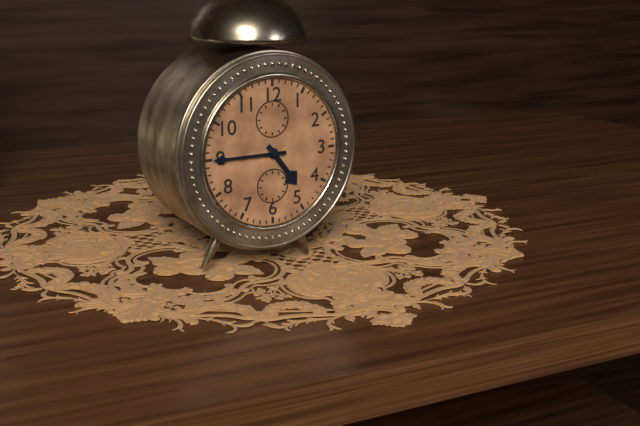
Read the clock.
4:45
